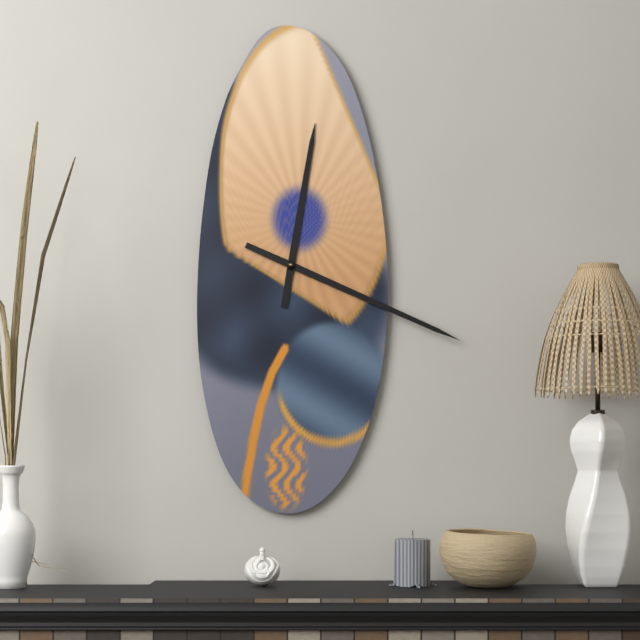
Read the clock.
12:19
